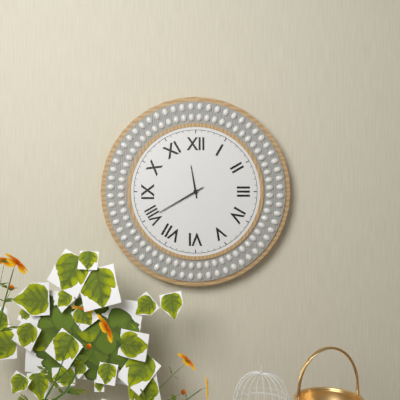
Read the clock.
11:40
